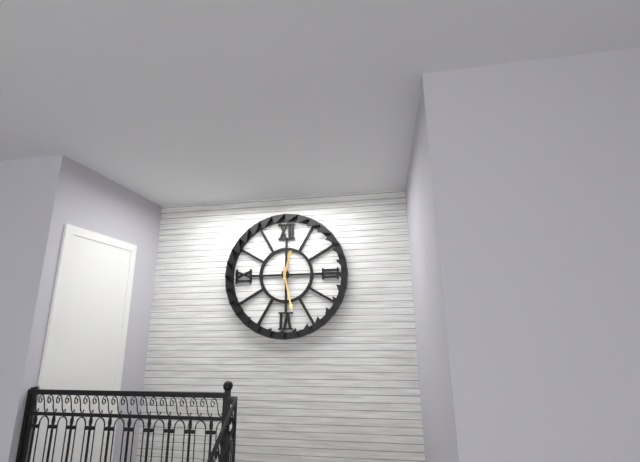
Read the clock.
12:28
